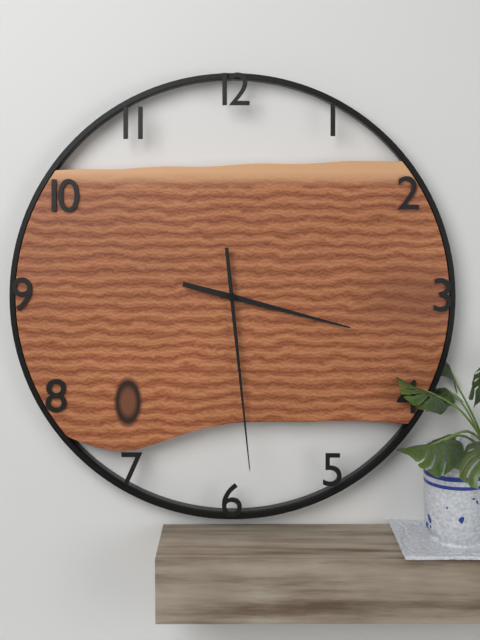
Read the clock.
3:29
